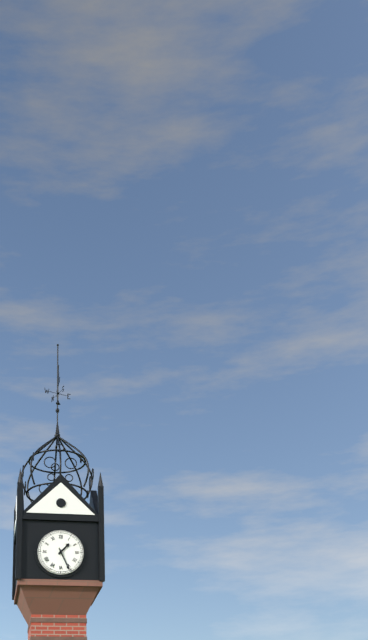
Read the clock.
1:26
